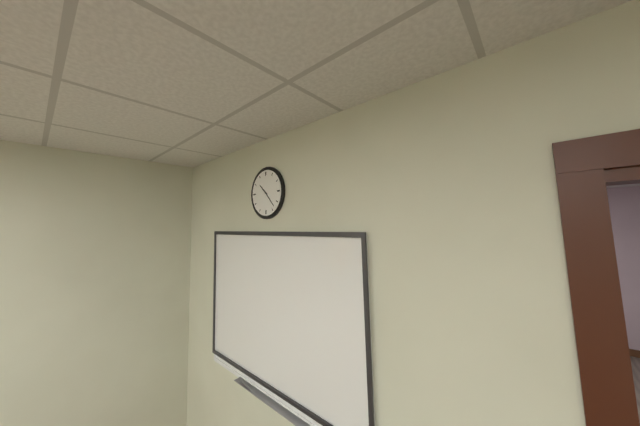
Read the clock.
10:23
